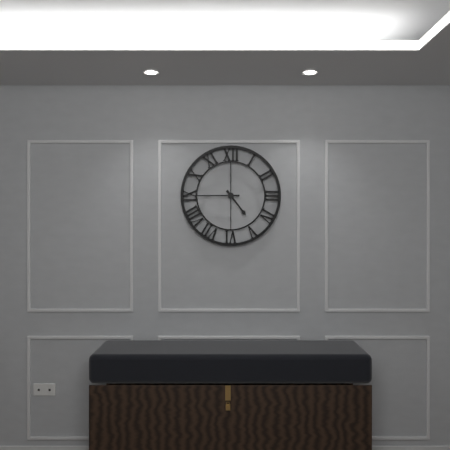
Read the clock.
4:45
